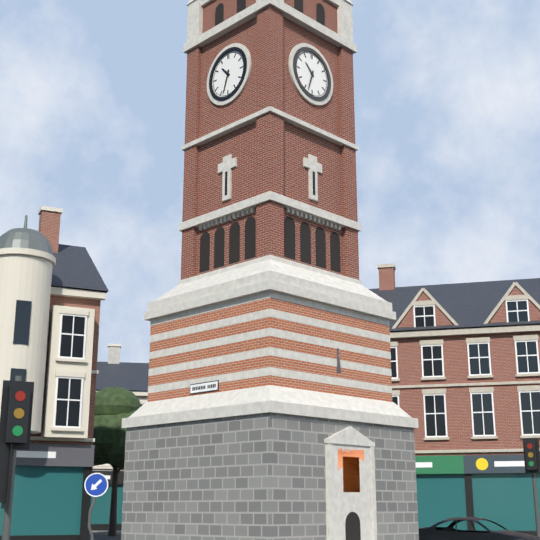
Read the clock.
10:33
